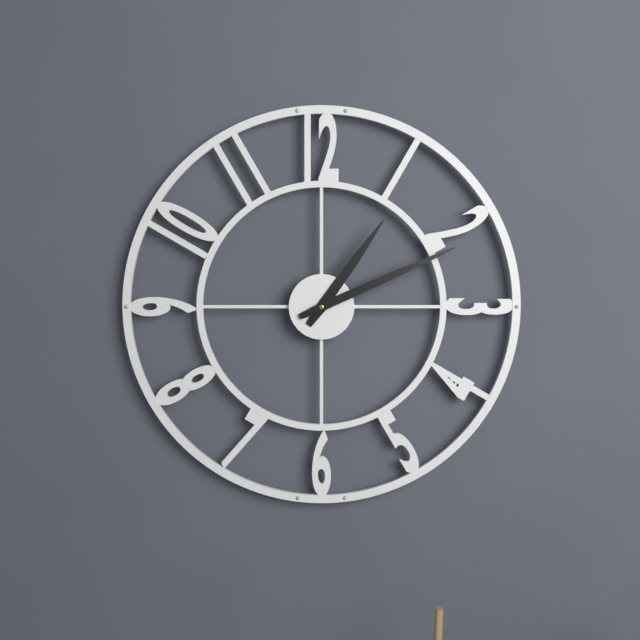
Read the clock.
1:11
